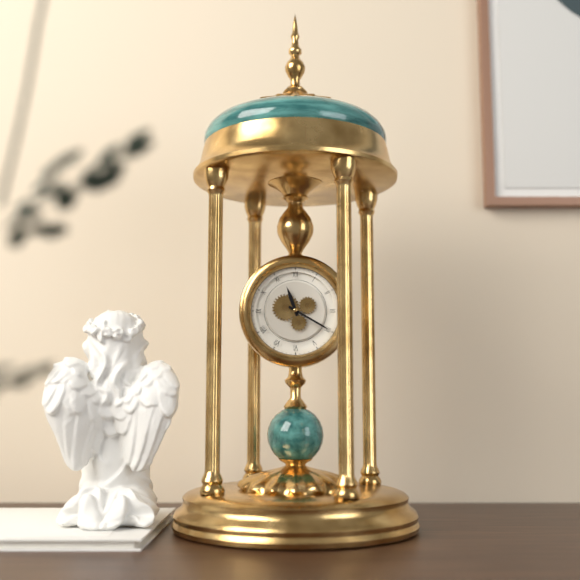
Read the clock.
11:20
